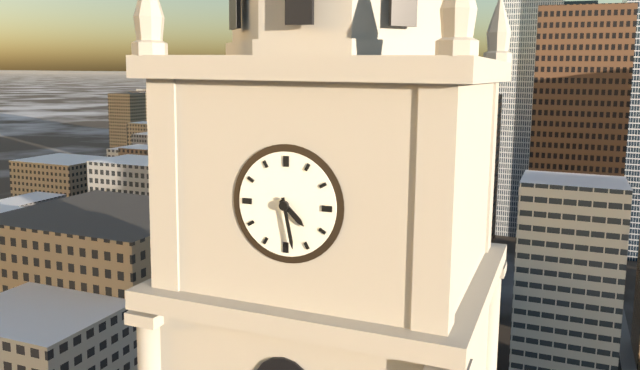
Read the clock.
4:28
